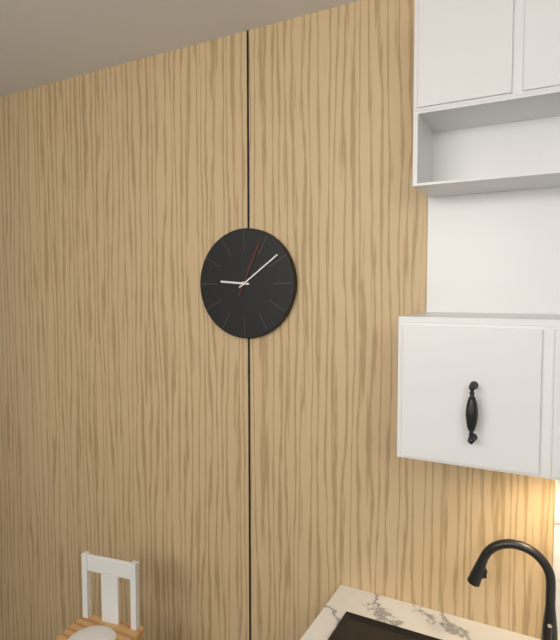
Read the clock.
9:09:04
